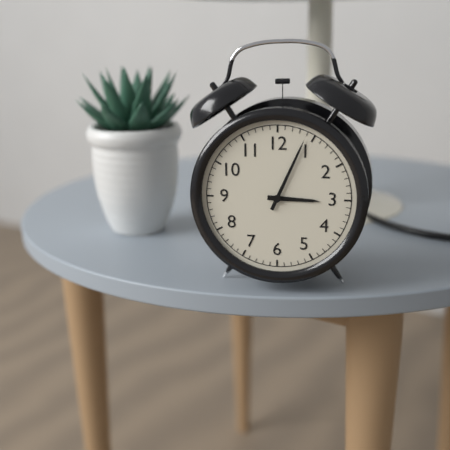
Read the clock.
3:04
